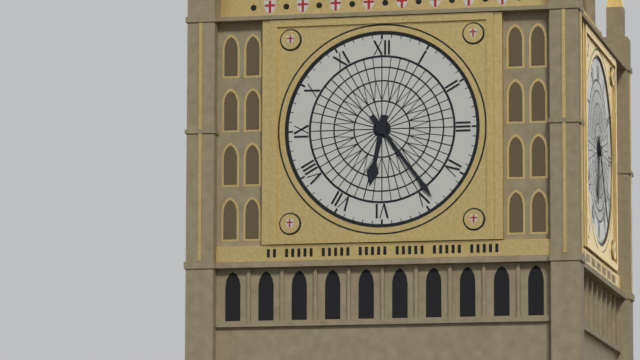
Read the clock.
6:24
